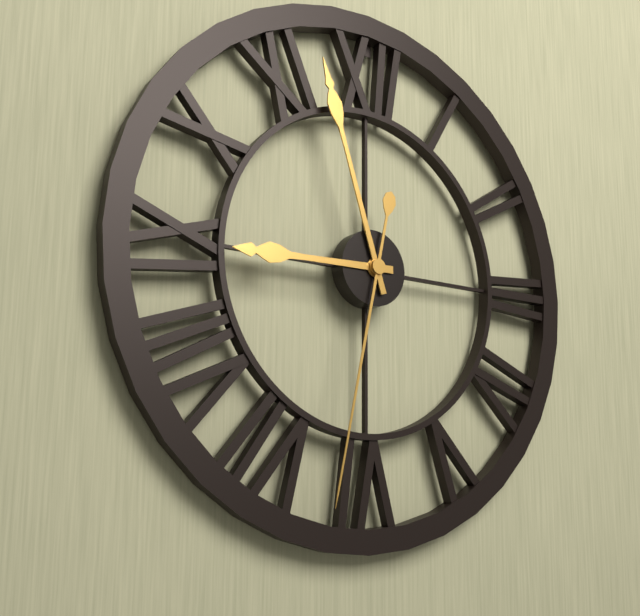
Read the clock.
8:57:32
